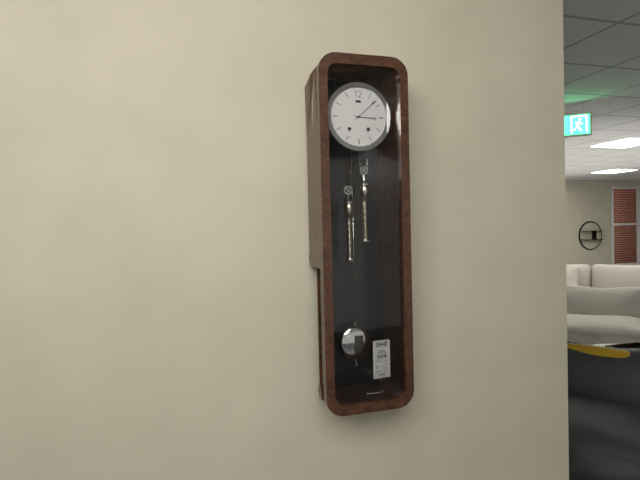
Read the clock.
3:08
